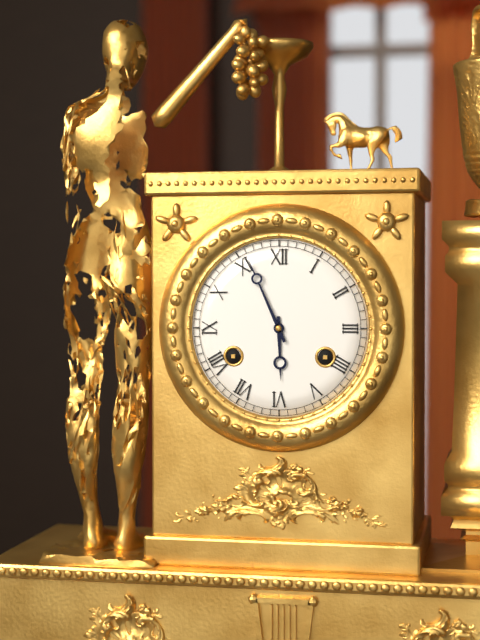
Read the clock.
5:56
